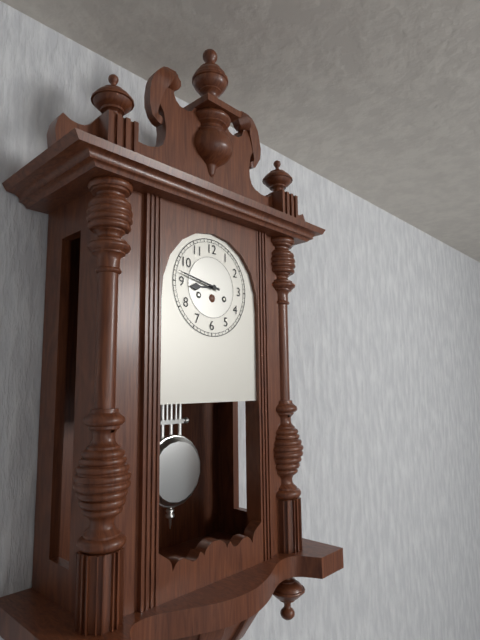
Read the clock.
8:47
